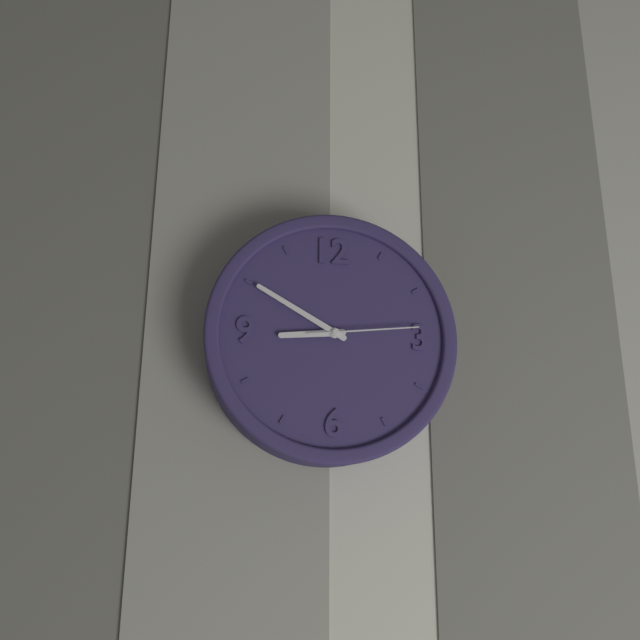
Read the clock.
8:50:14
